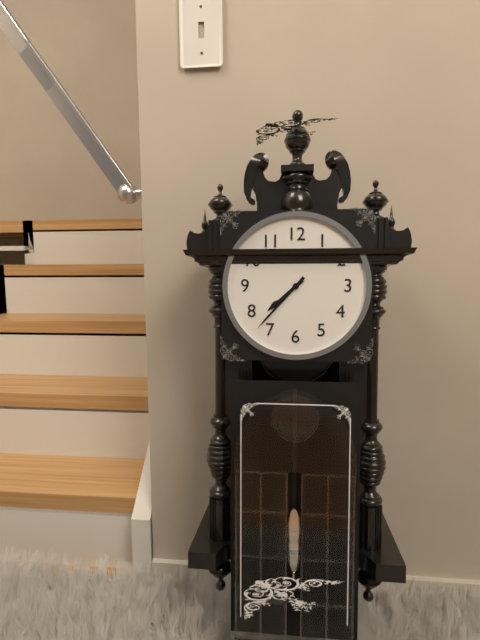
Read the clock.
7:37
